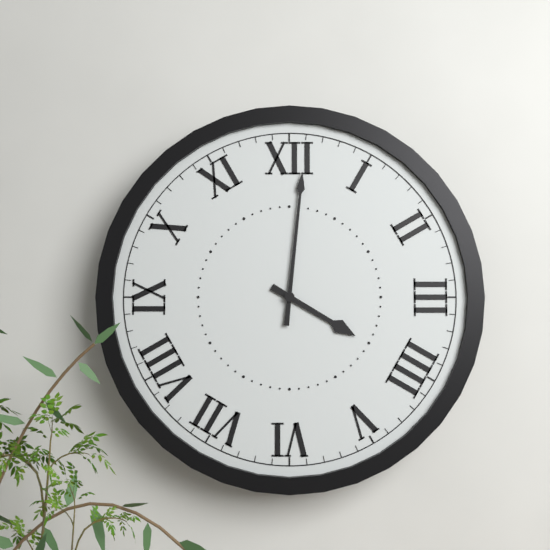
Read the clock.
4:01
